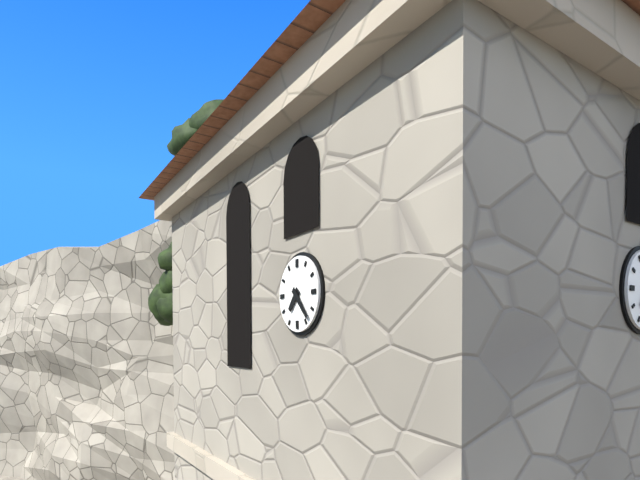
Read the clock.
7:23
